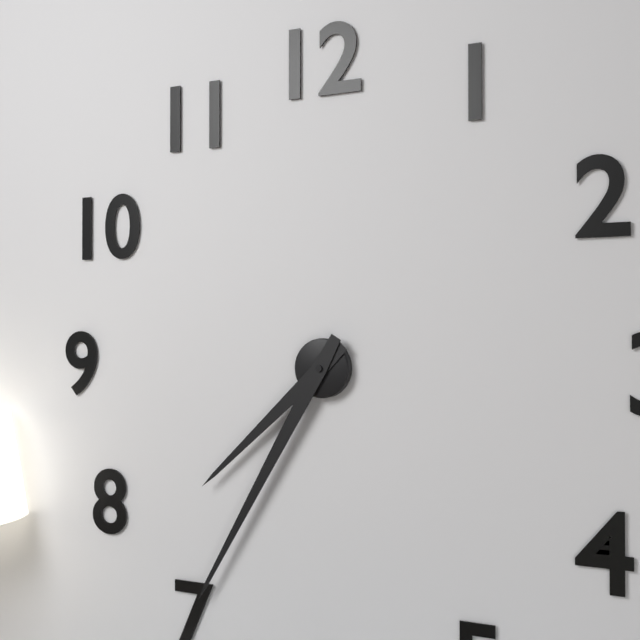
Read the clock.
7:35
